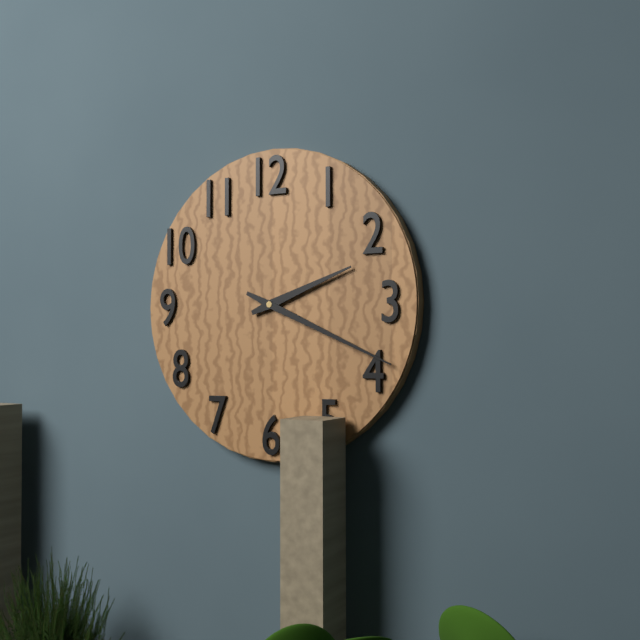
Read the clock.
2:19
